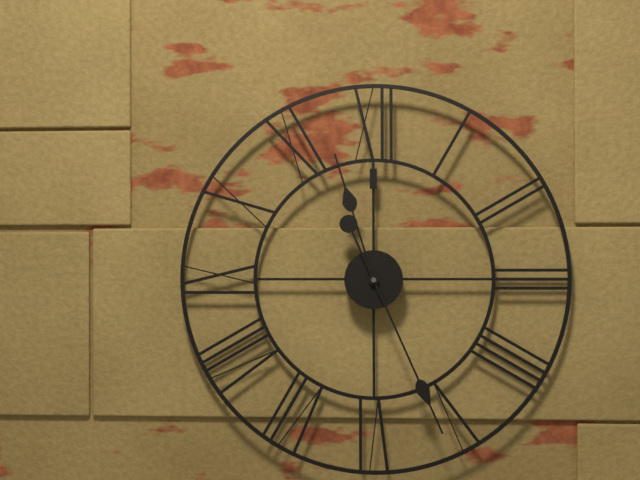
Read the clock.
11:26
